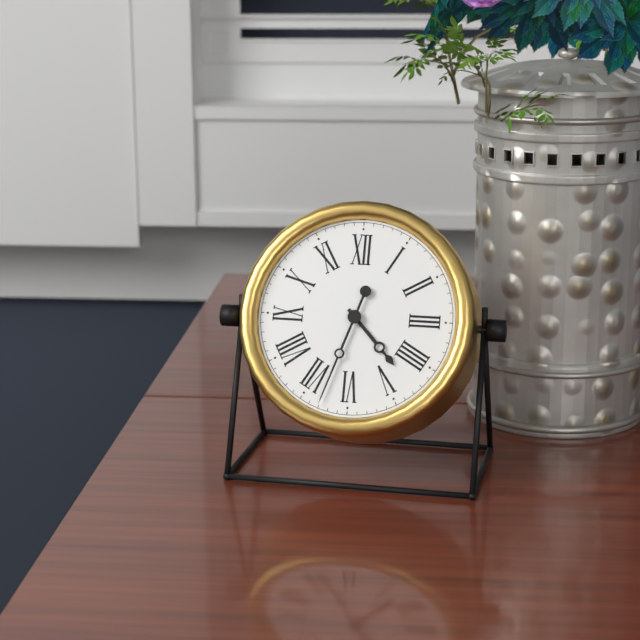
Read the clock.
4:33
